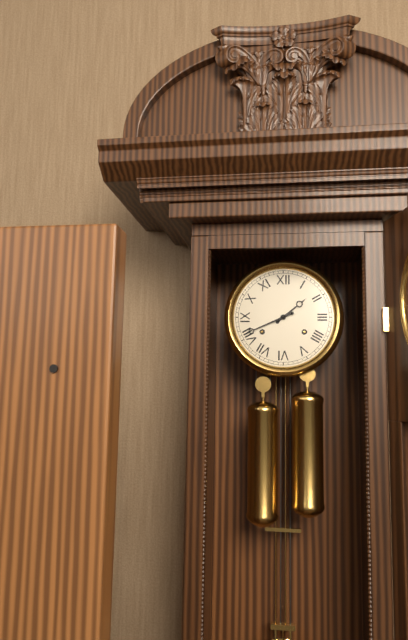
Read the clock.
1:41
